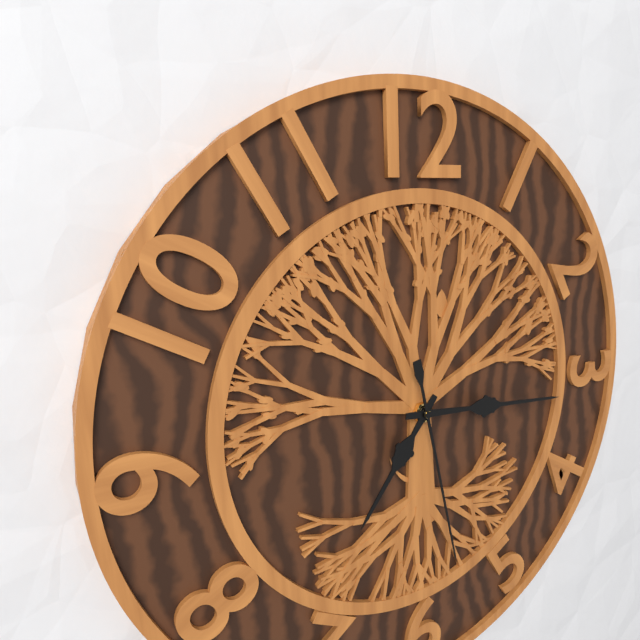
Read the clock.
7:16:28
